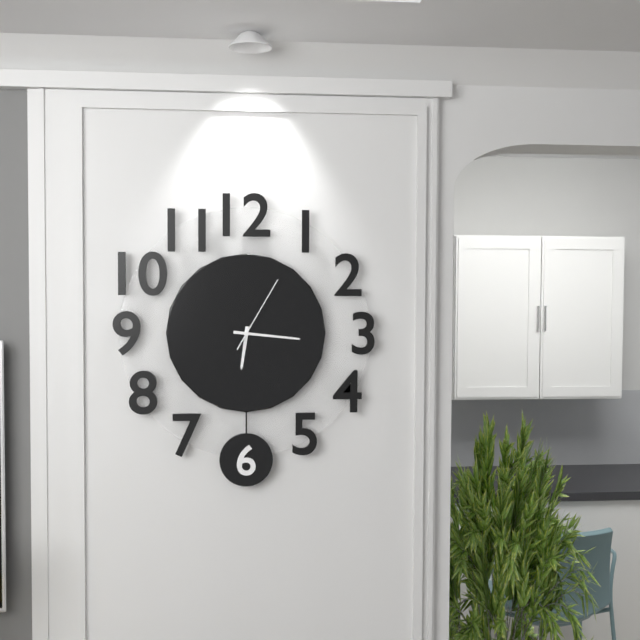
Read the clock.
6:16:05
